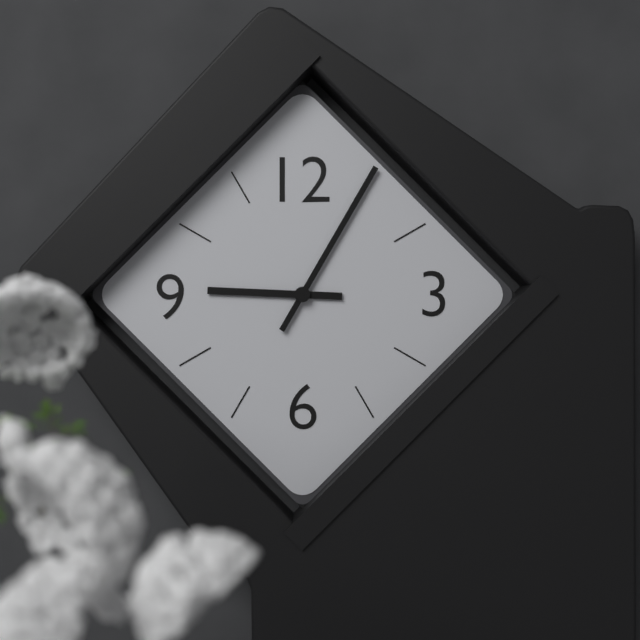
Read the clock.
9:05
